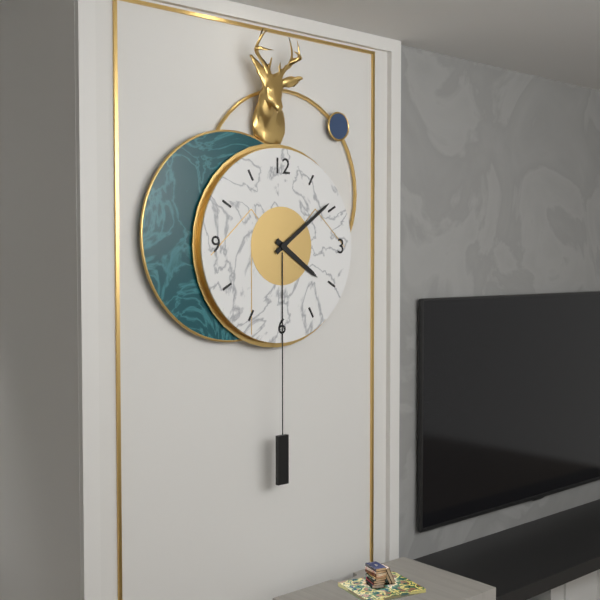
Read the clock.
4:09
